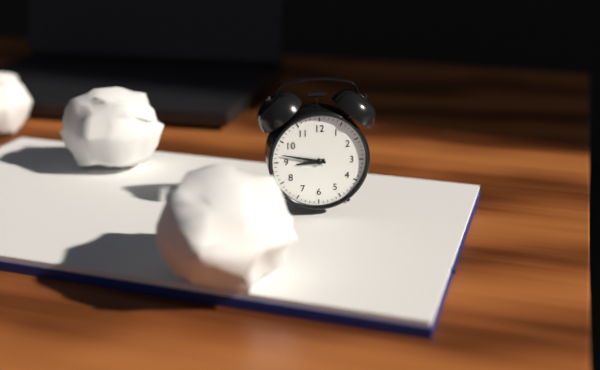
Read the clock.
8:47
